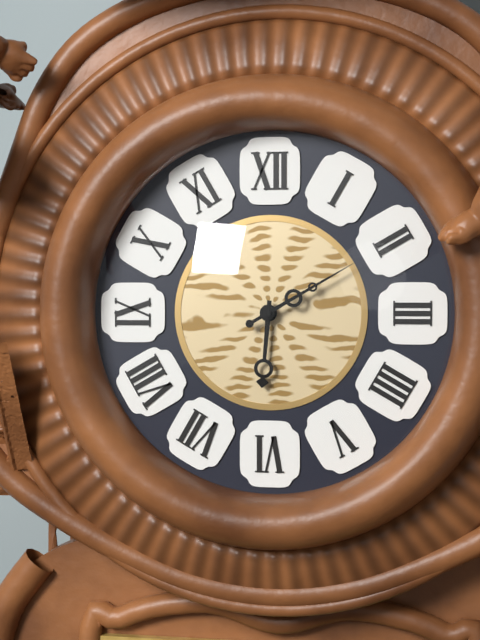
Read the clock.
6:10
